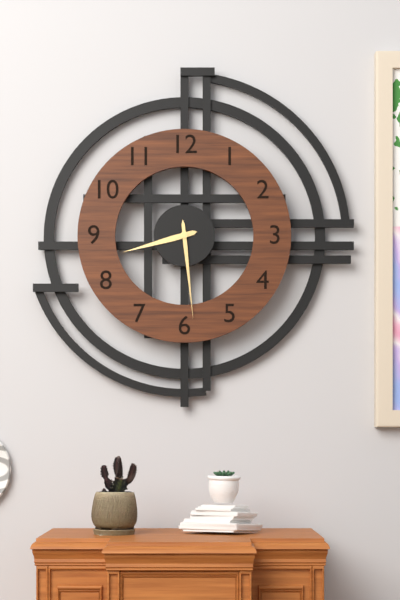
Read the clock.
8:29
